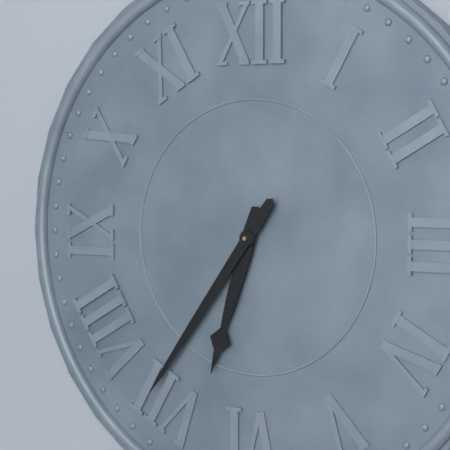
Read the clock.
6:36
